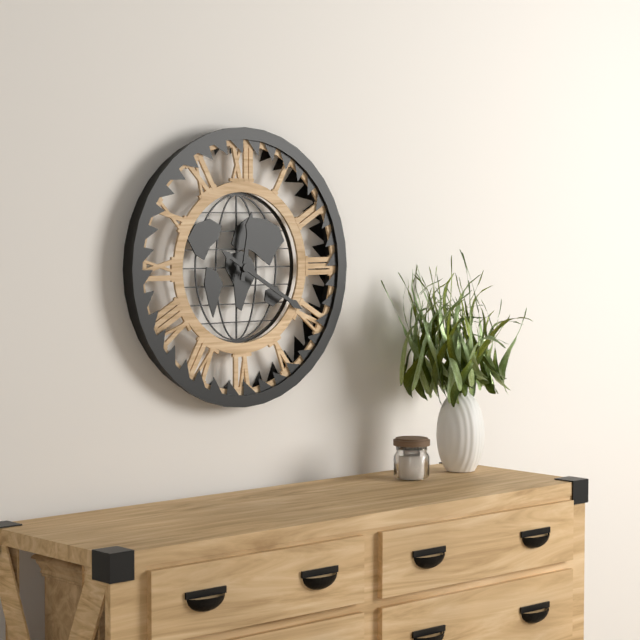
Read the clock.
12:20
